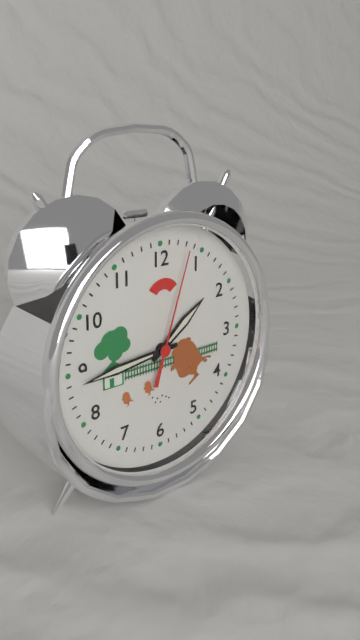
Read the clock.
1:44:03
